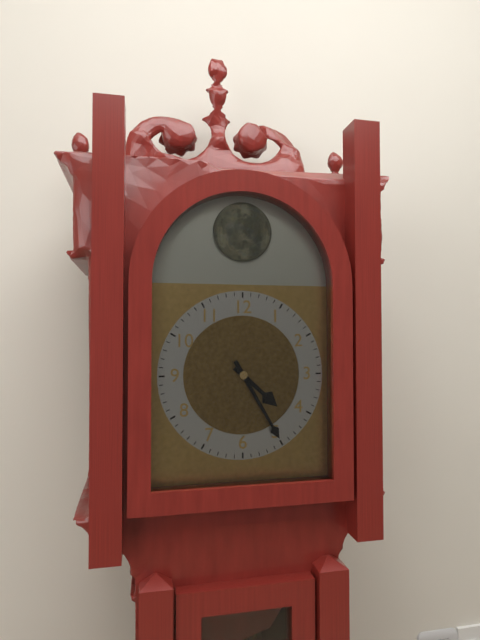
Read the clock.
4:25
